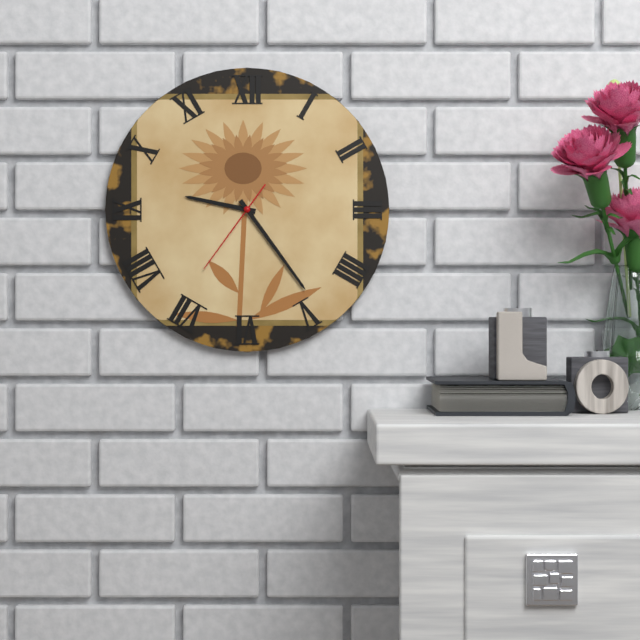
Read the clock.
9:24:36
